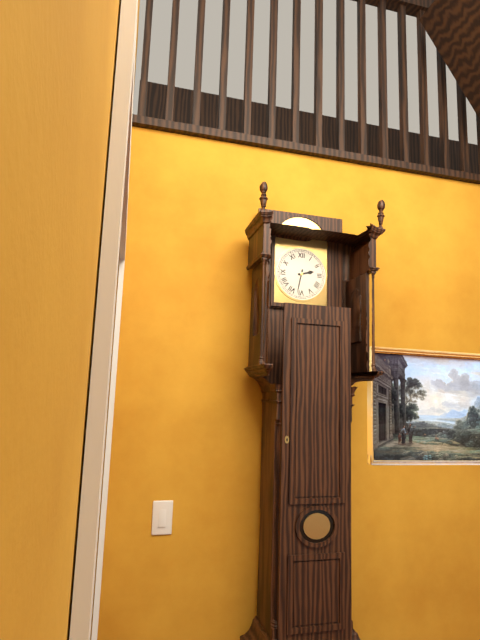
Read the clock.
2:32
